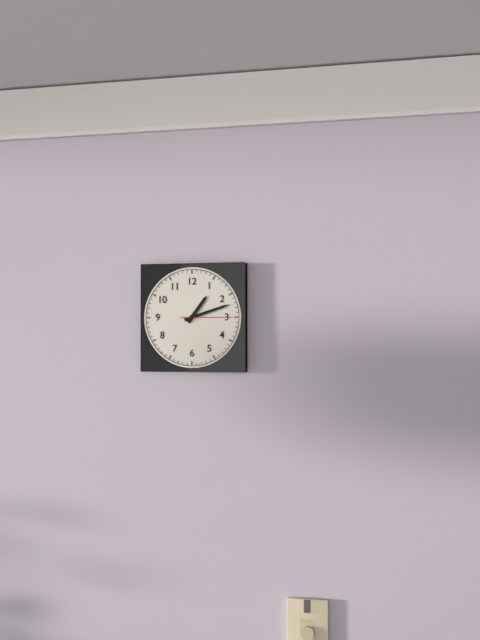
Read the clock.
1:12:15
